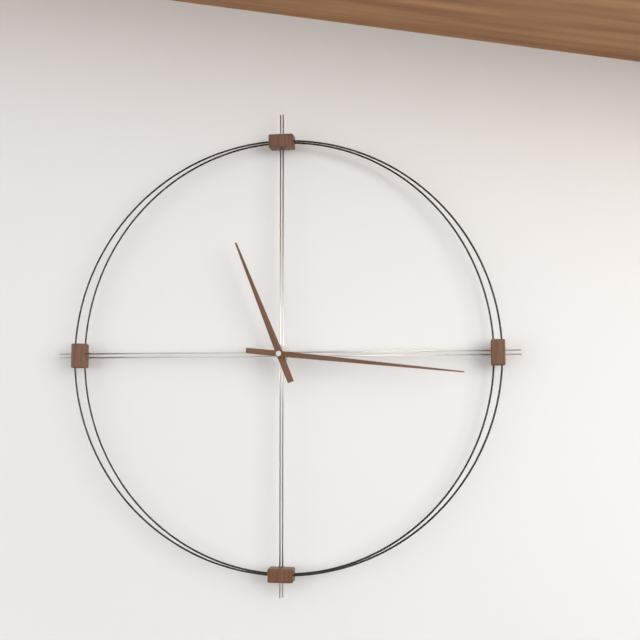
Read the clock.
11:16
